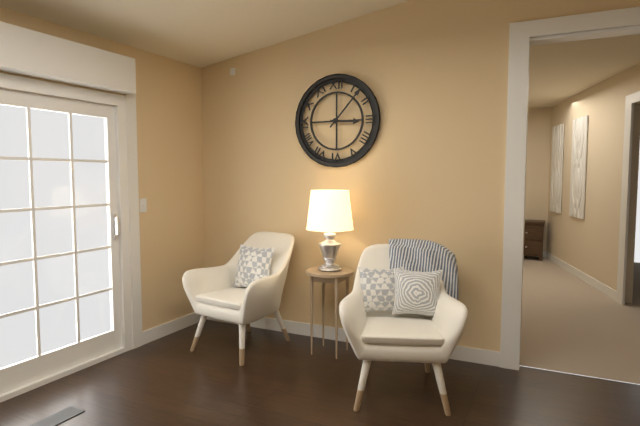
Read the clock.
3:07
